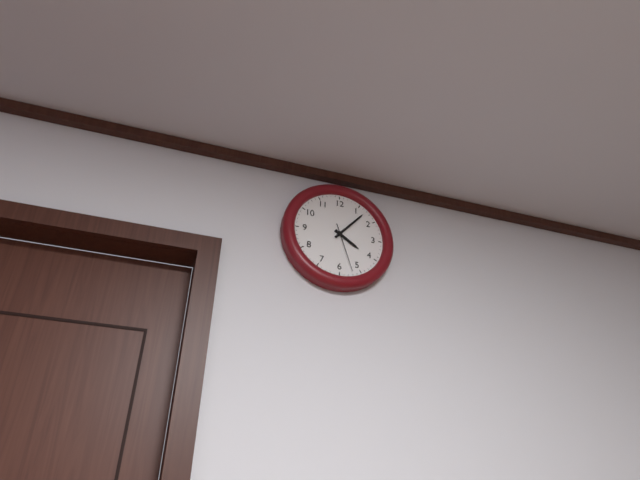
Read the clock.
4:07
